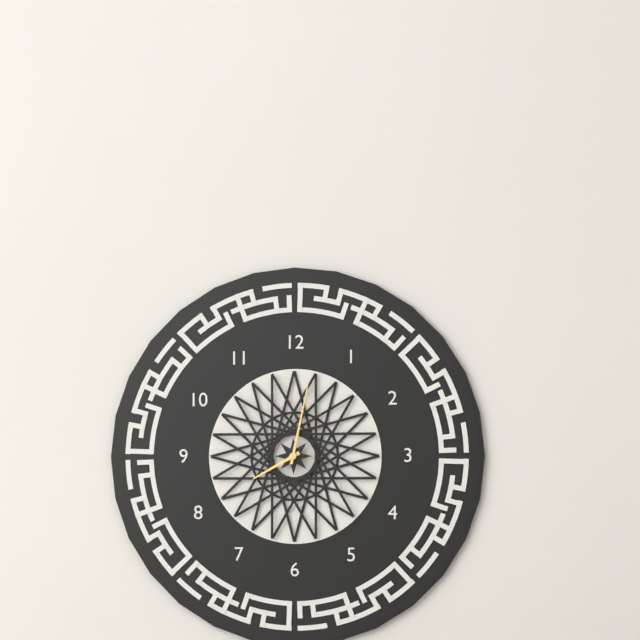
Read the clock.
8:02
